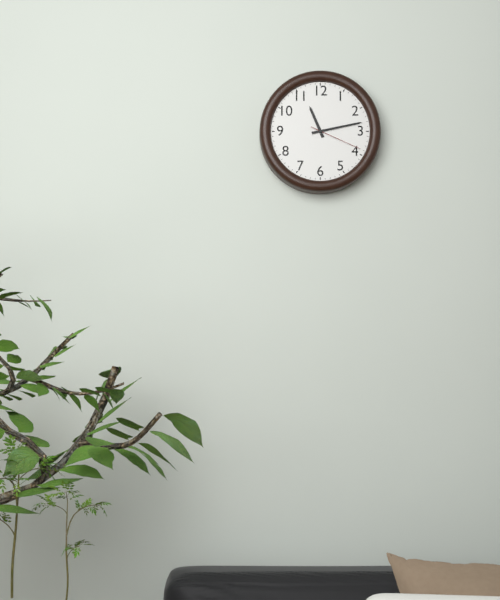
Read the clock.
11:13:19
